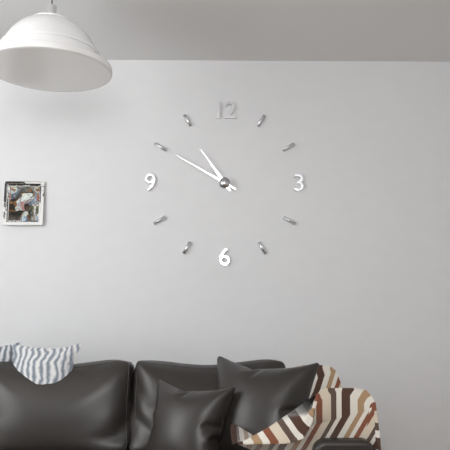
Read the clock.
10:50
